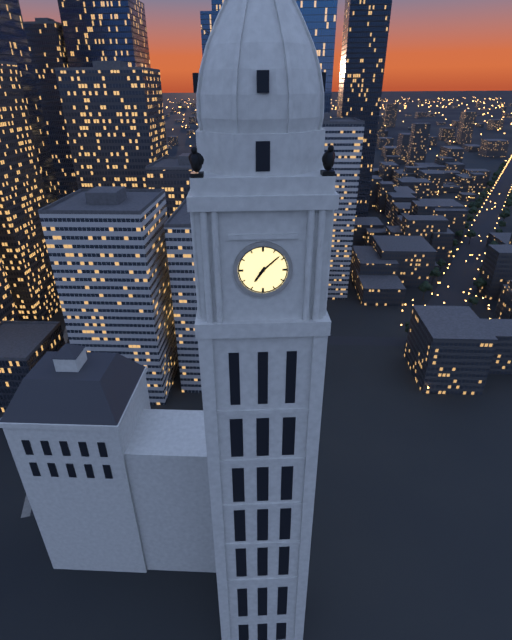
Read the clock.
7:08
